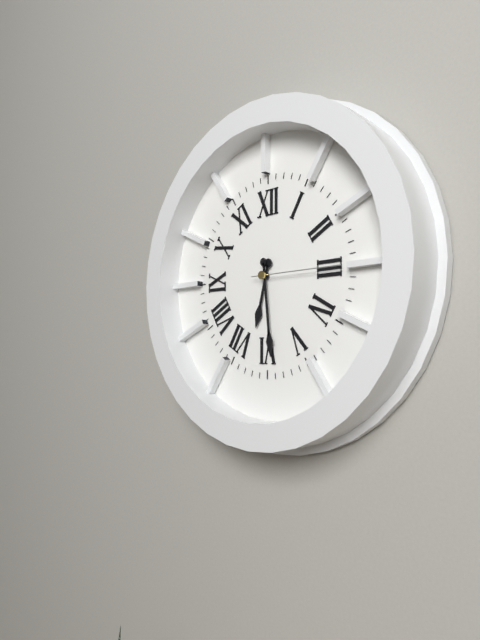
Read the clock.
6:29:15
